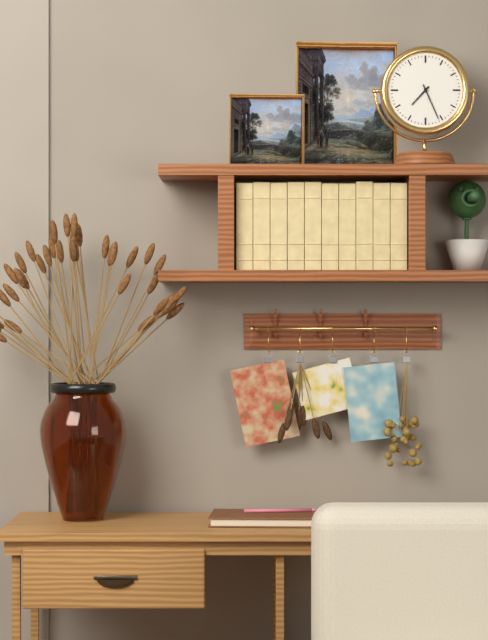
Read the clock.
7:26
